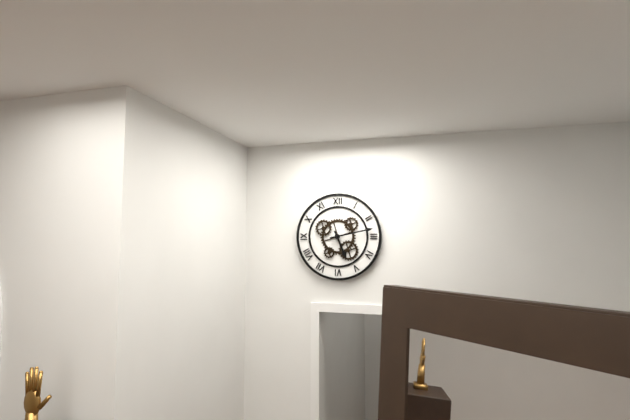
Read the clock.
5:13
